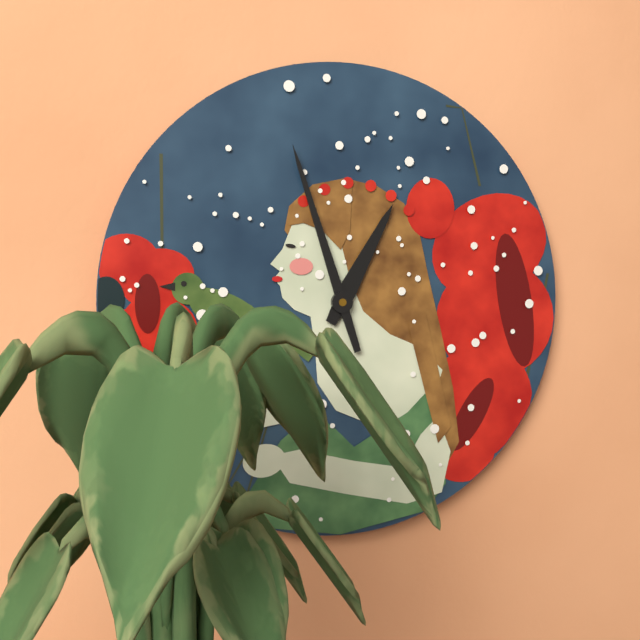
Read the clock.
12:57
